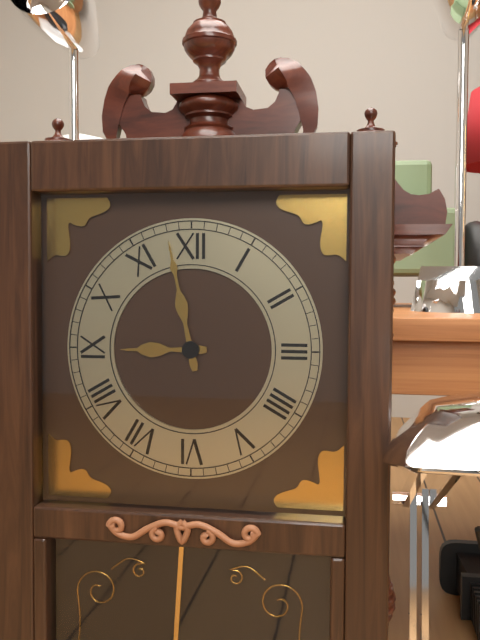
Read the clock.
8:58
